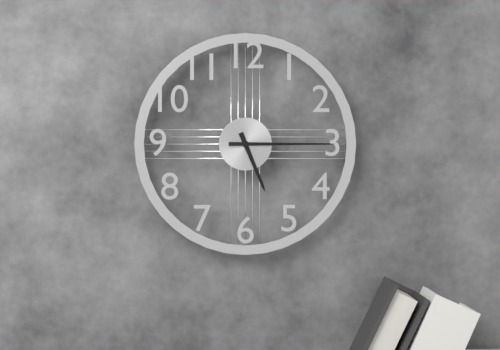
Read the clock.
5:15
